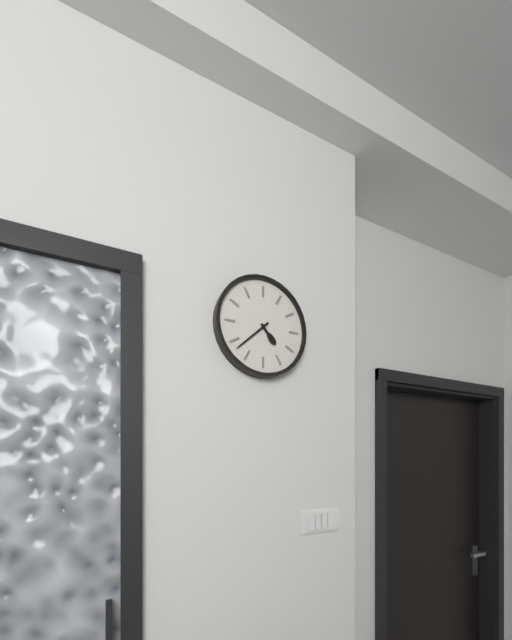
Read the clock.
4:38
